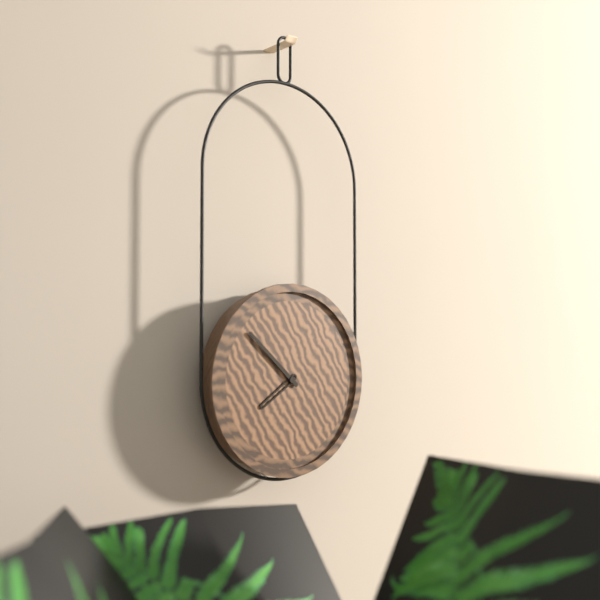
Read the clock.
7:52
